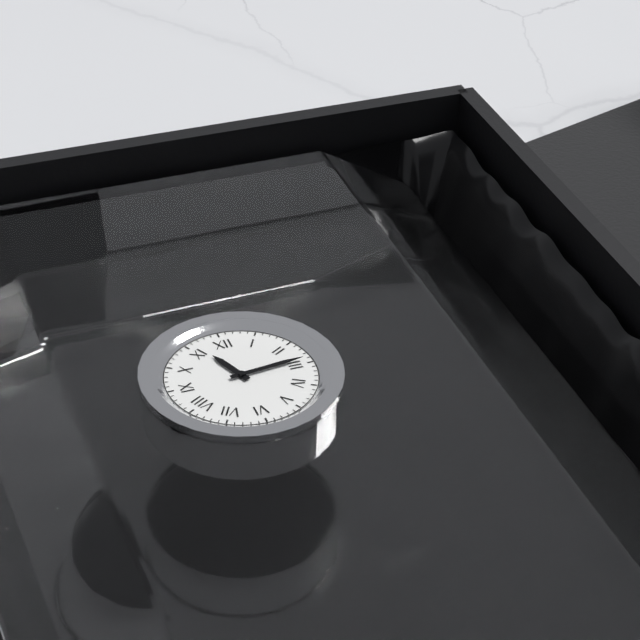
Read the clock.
11:14
